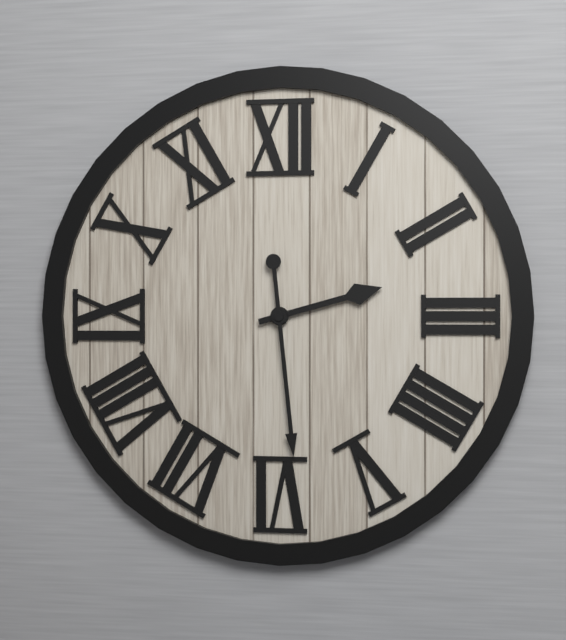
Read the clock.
2:29
